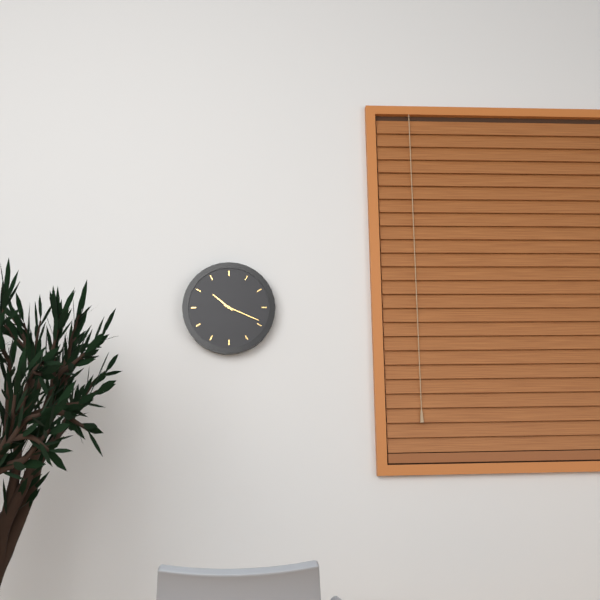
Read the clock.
10:19
